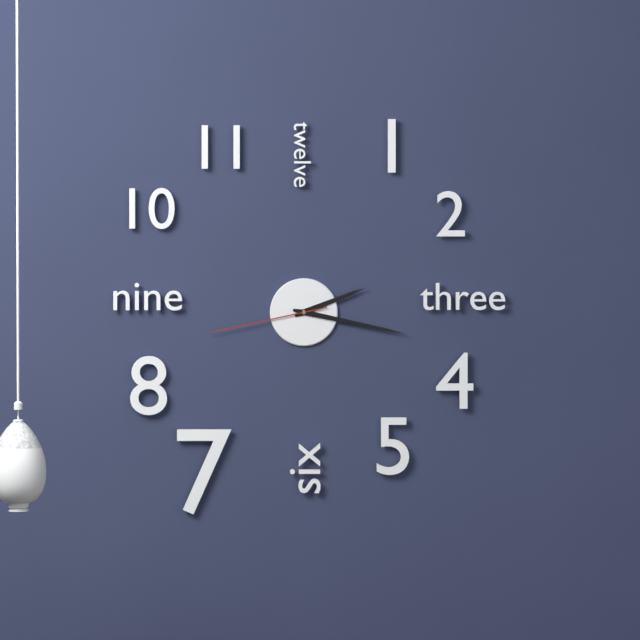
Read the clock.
2:17:43
